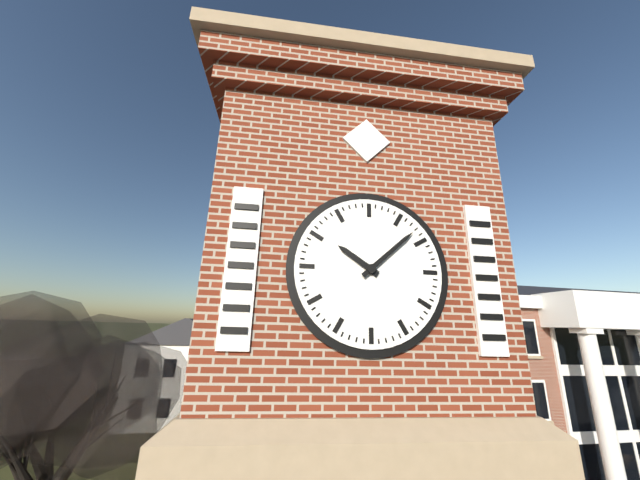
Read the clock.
10:08
